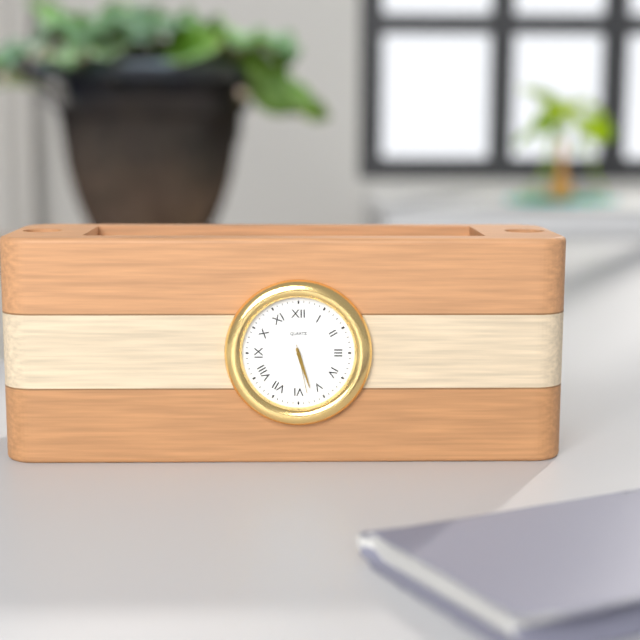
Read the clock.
5:27:28
